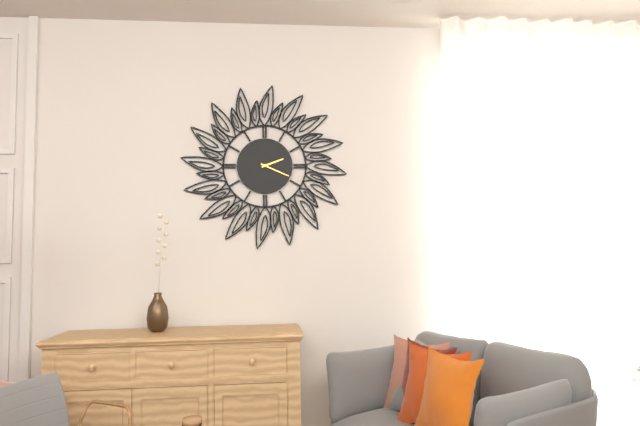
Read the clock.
2:19
